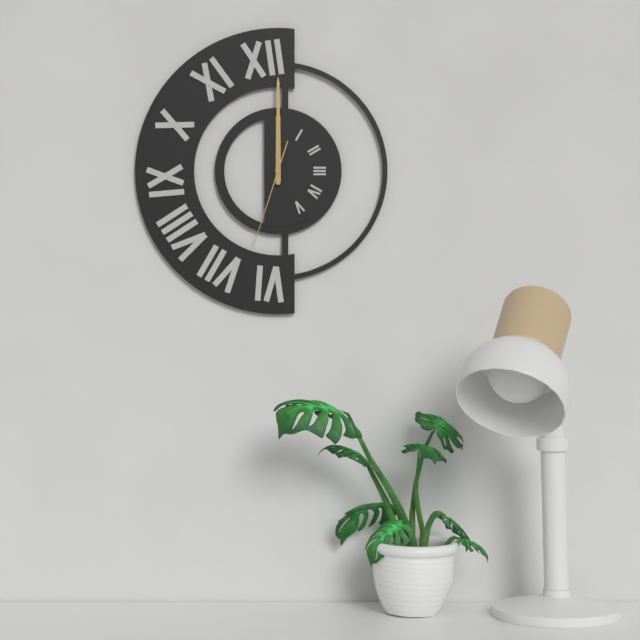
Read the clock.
12:00:33
